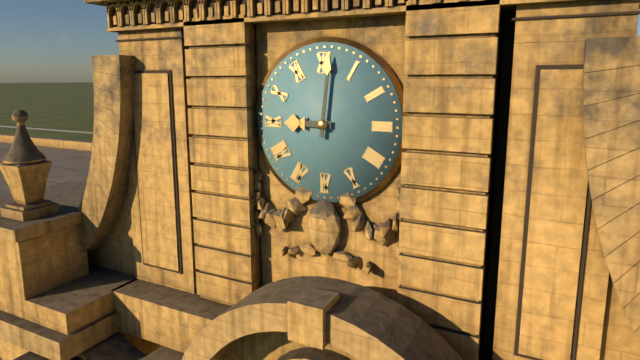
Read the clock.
9:01
